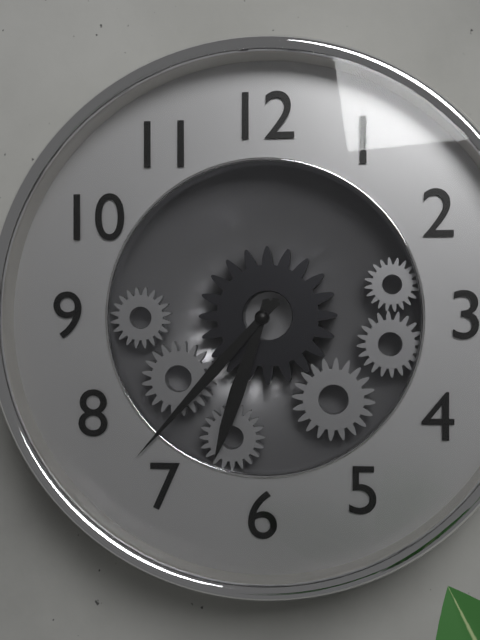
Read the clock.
6:37
